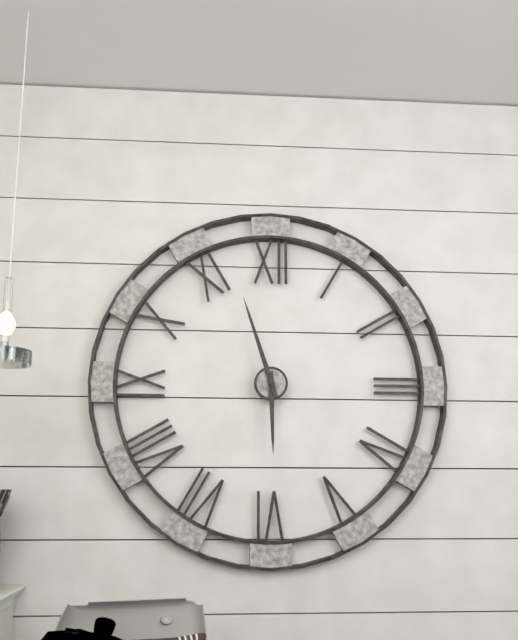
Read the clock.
5:57
